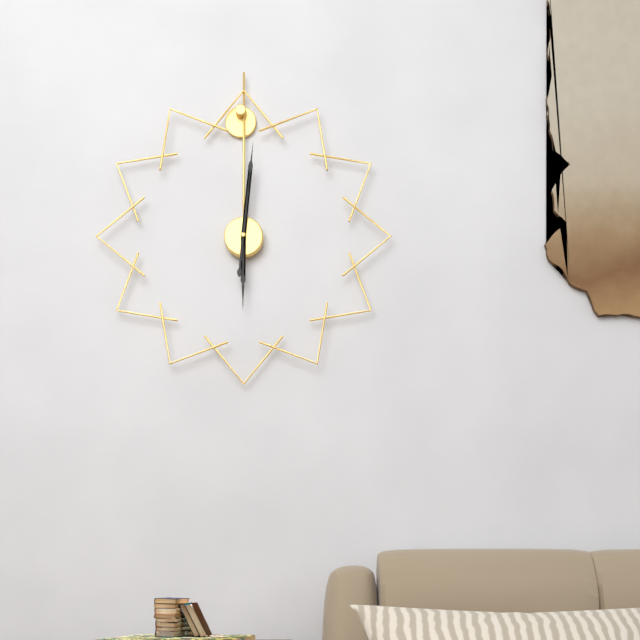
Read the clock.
6:01
